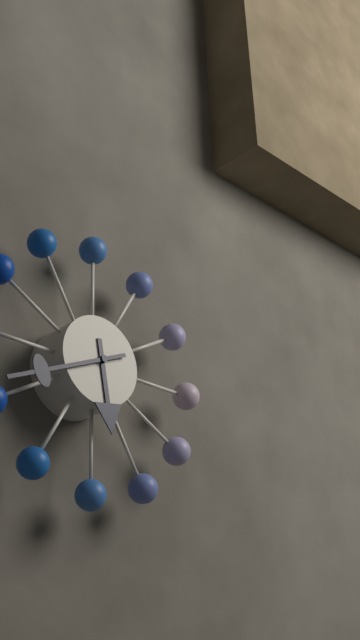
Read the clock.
5:41
